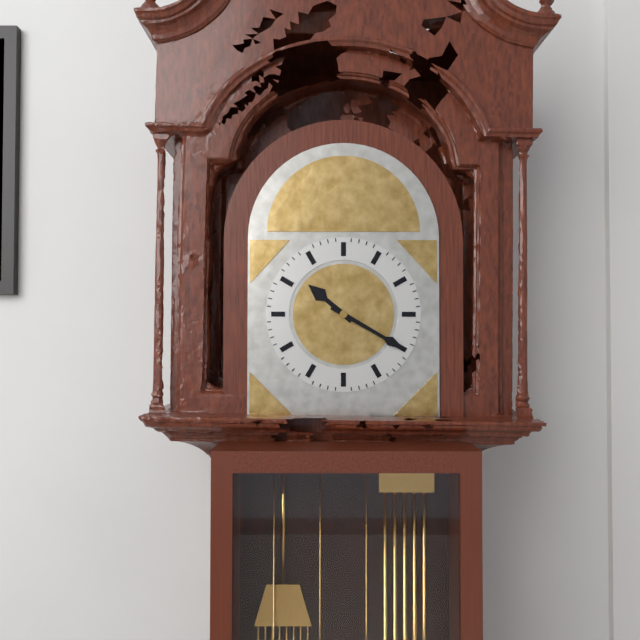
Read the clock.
10:20
